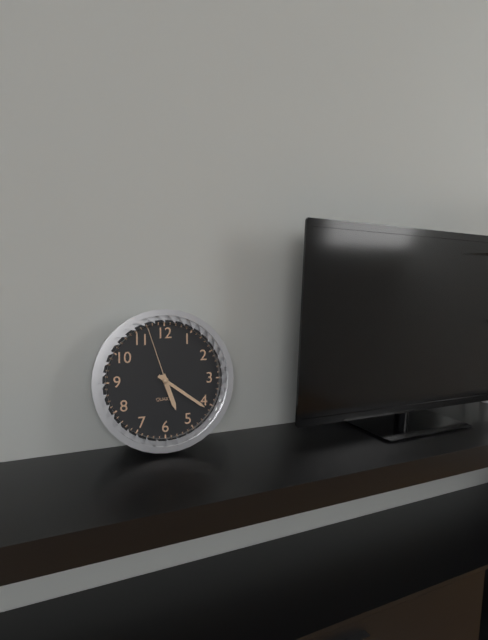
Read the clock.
5:21:57
